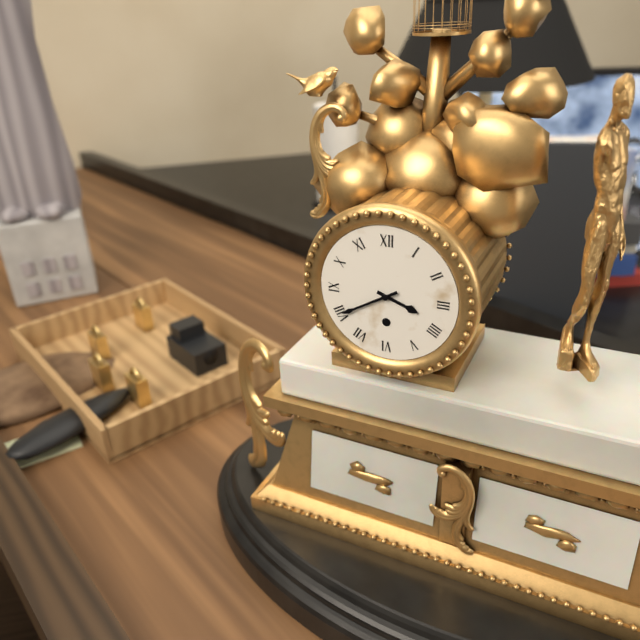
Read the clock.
3:40
